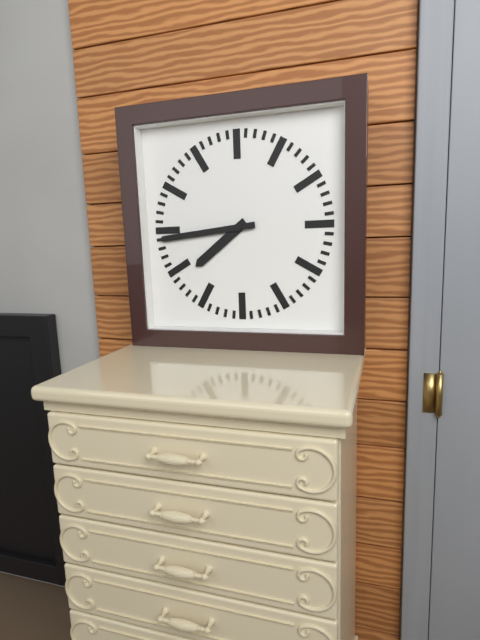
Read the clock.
7:44
